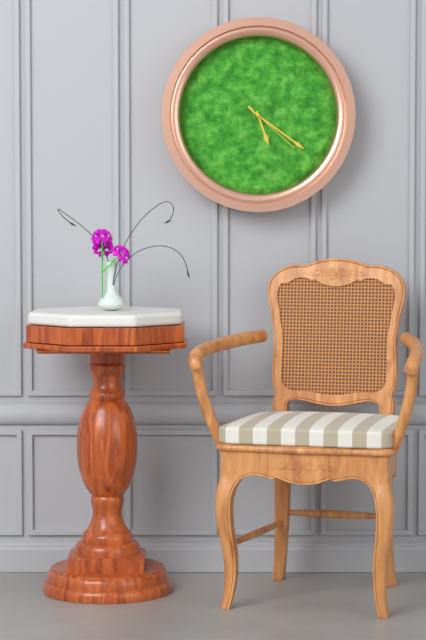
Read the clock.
5:21:22
